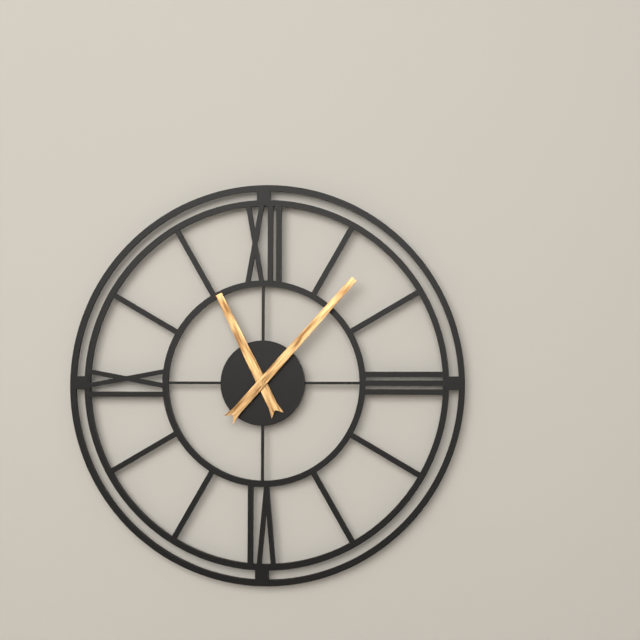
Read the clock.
11:07
